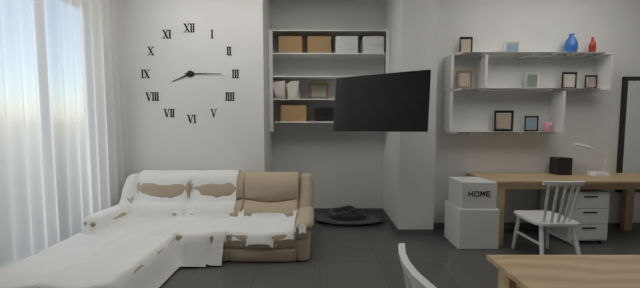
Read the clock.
8:15
